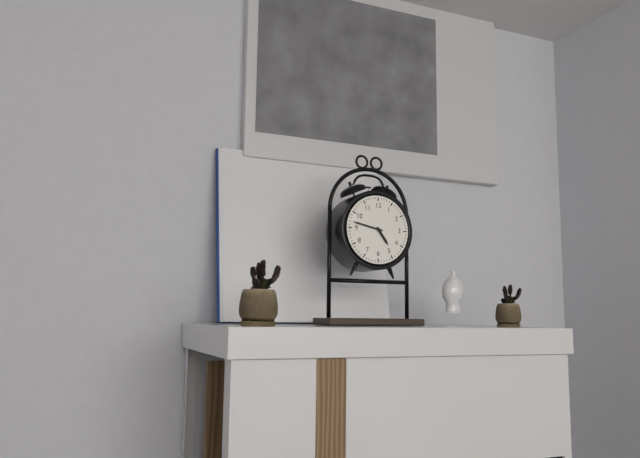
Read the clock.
4:47
